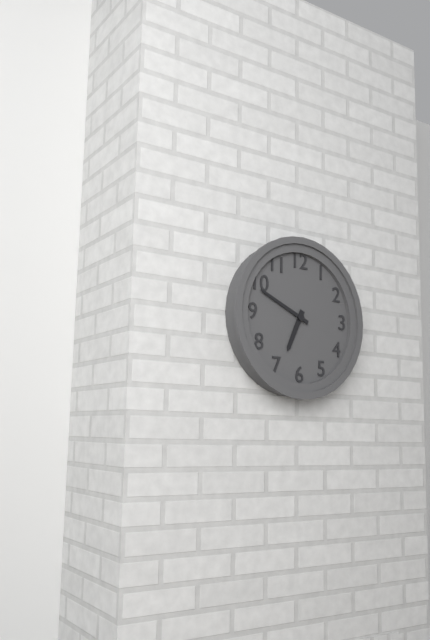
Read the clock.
6:49
